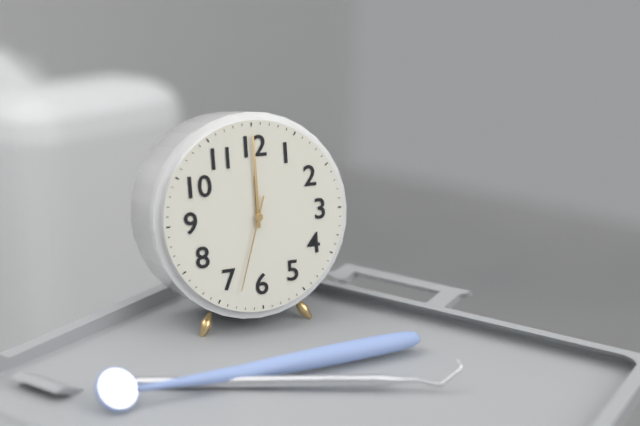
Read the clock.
12:00:33
